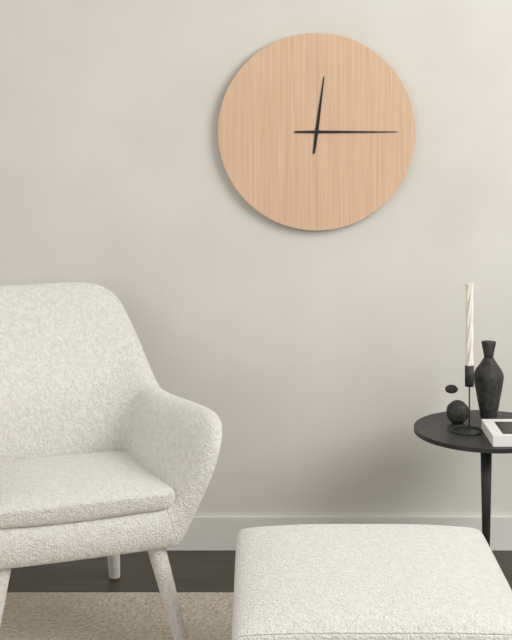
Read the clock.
12:15
